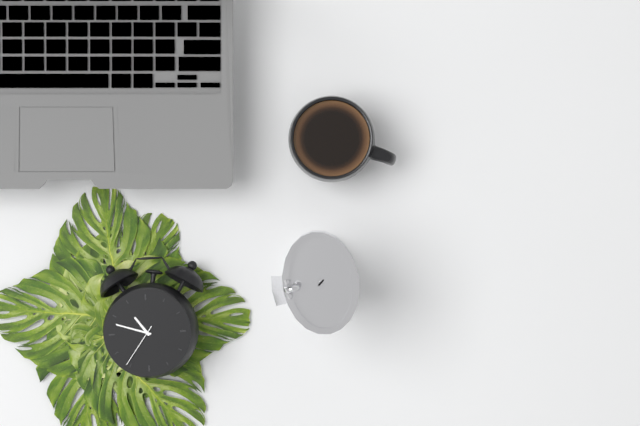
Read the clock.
10:48
